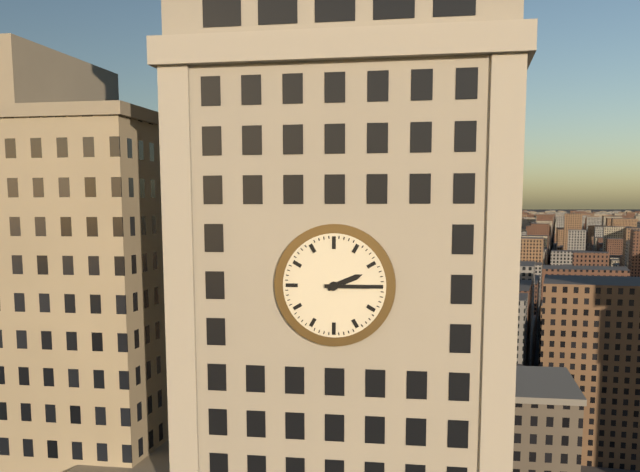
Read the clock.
2:15
